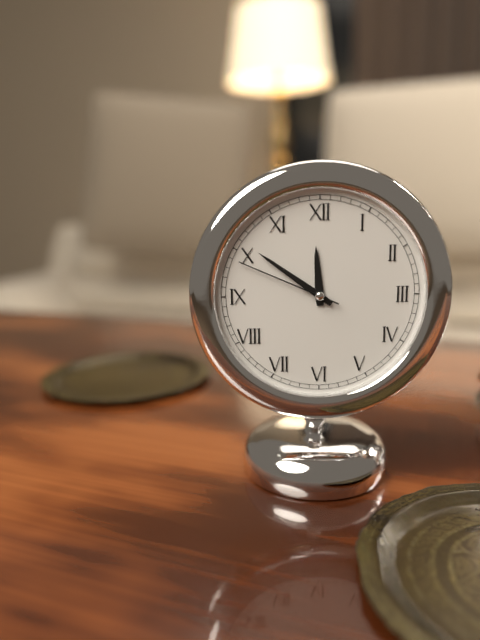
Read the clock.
11:51:49
